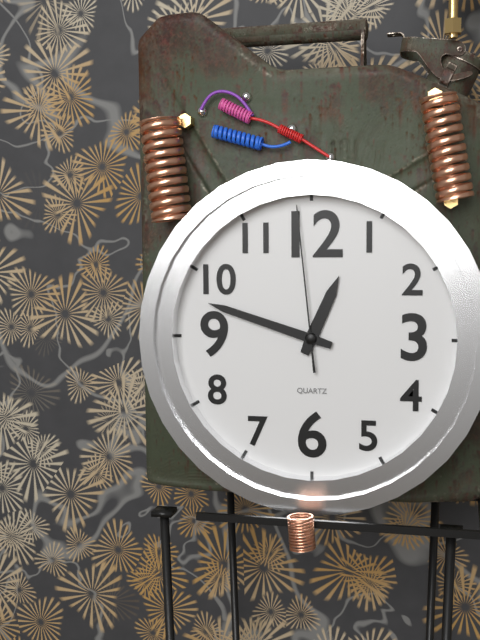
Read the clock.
12:48:59
